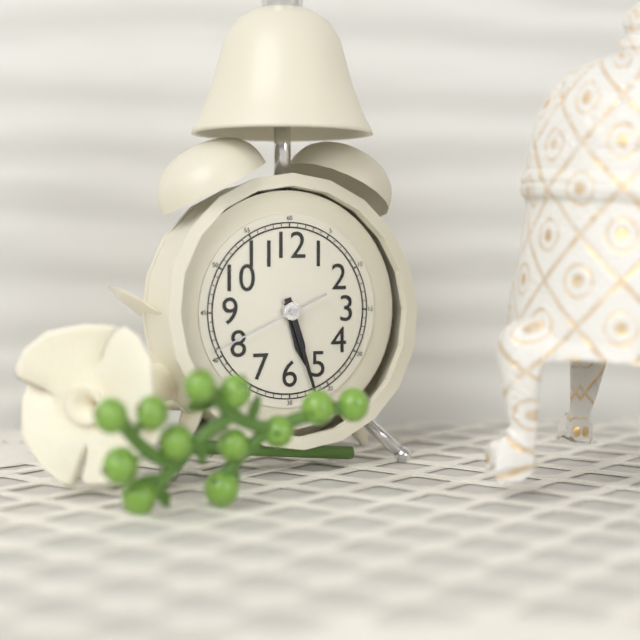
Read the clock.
5:27:41
